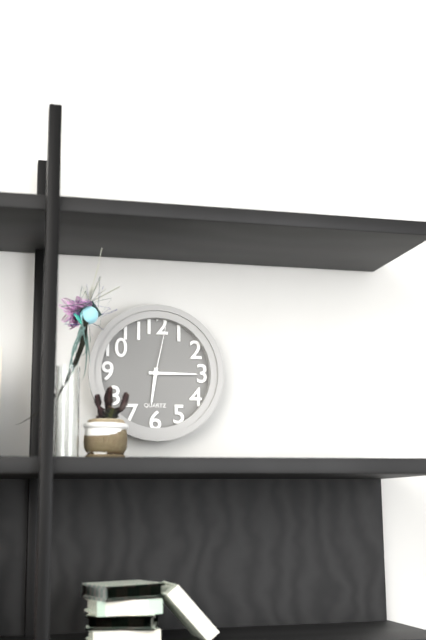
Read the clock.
6:15:02
